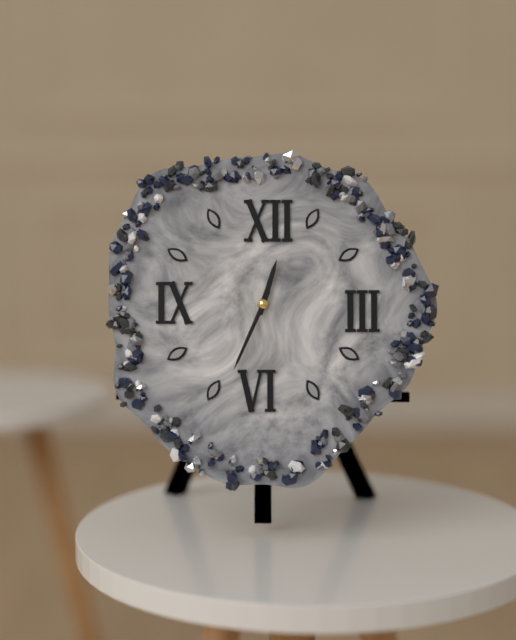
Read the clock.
12:34
